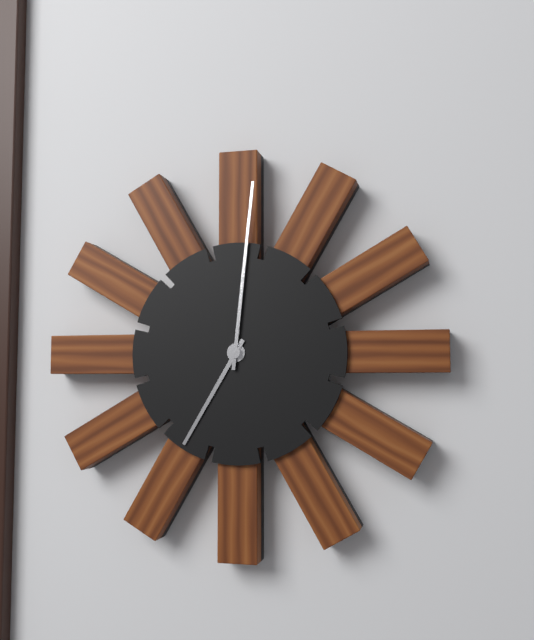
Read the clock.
7:01
